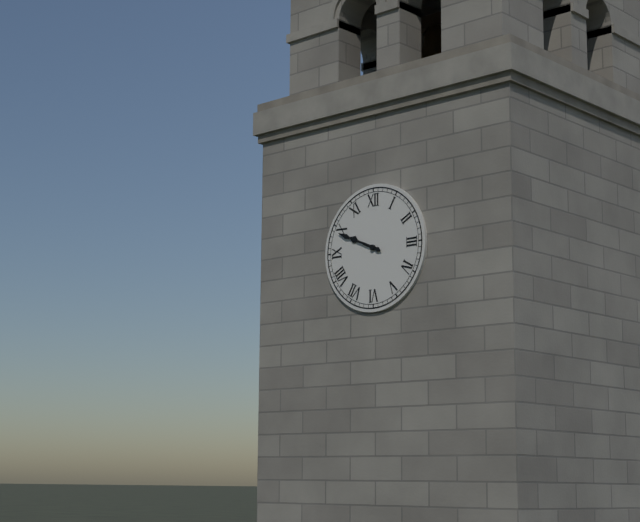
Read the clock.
9:49
